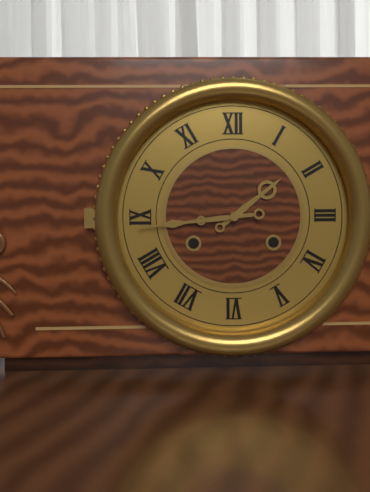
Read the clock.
1:44
